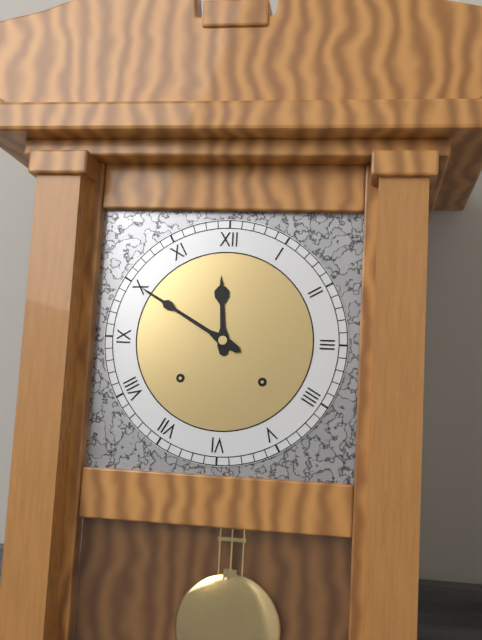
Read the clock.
11:50
